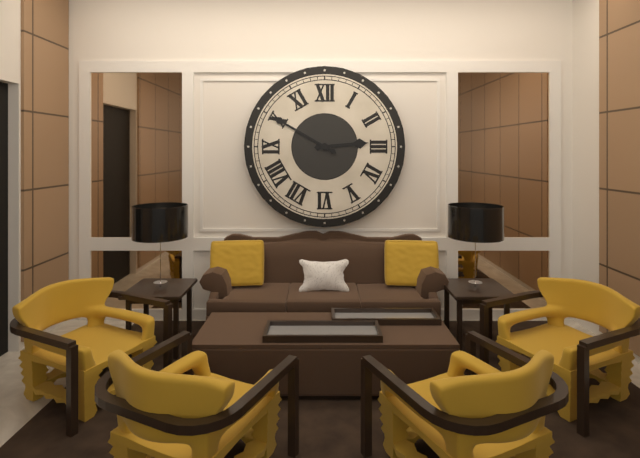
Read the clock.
2:50
